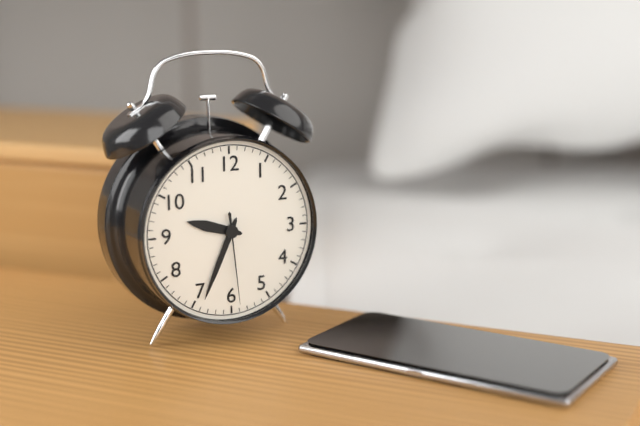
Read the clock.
9:34:29
